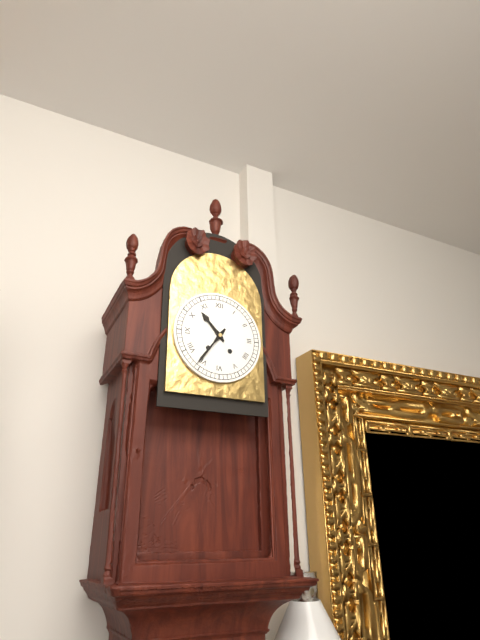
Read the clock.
10:36
